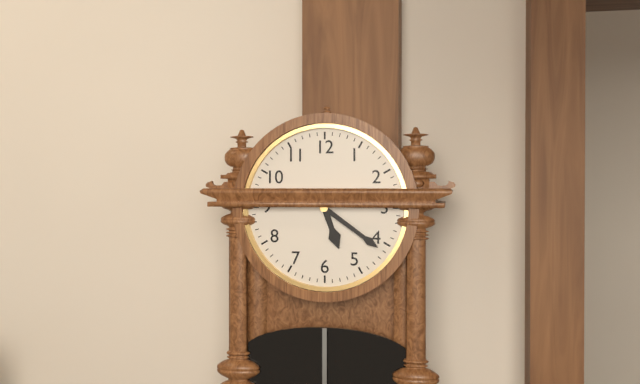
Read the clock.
5:21
